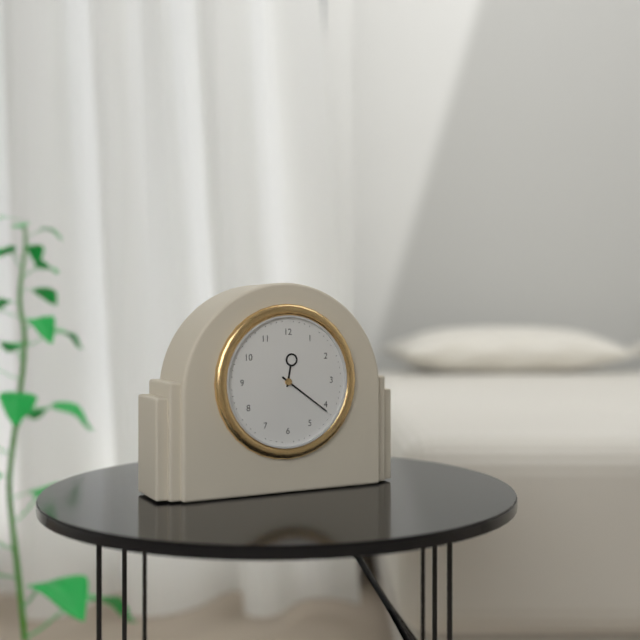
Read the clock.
12:21
